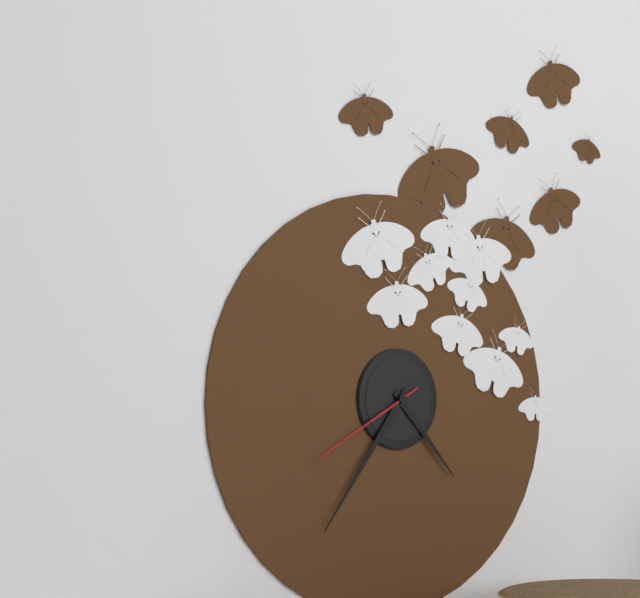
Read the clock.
4:36:40
